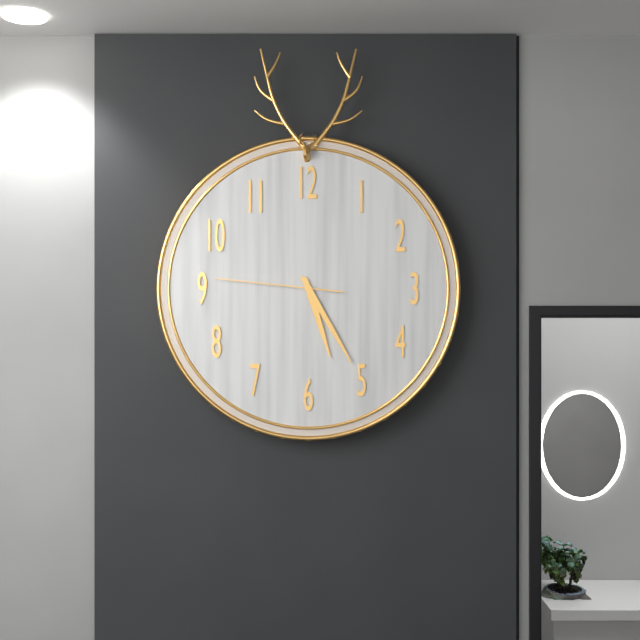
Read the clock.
5:25:46
